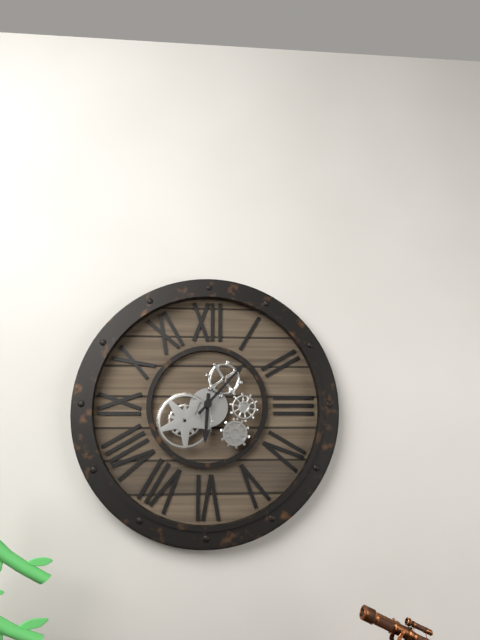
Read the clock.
6:07
